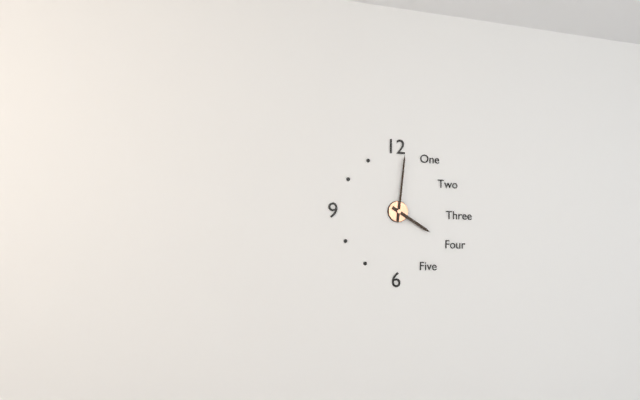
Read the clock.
4:01
